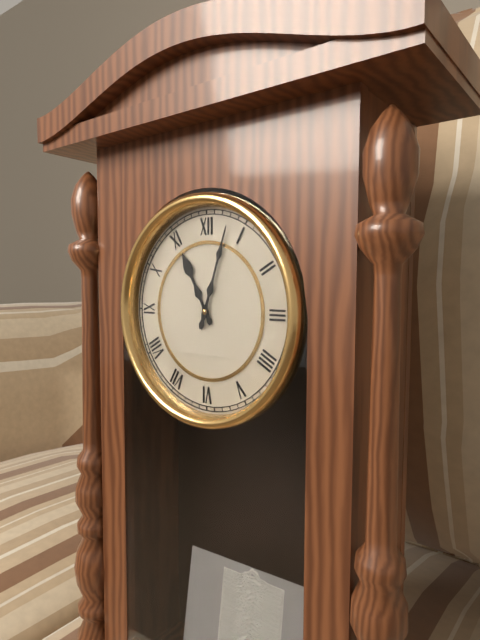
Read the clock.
11:03
